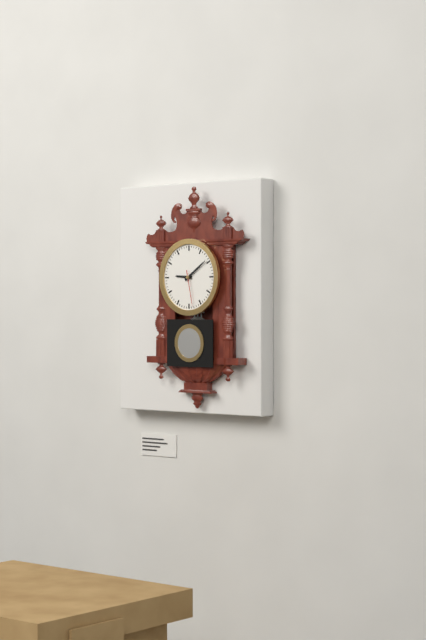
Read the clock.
9:09
